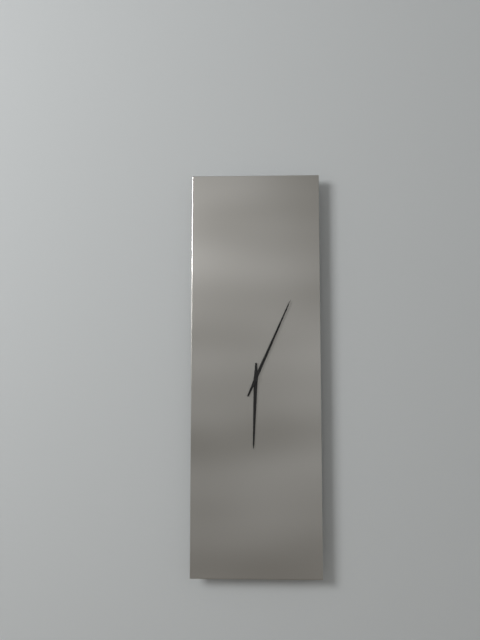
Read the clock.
6:04
